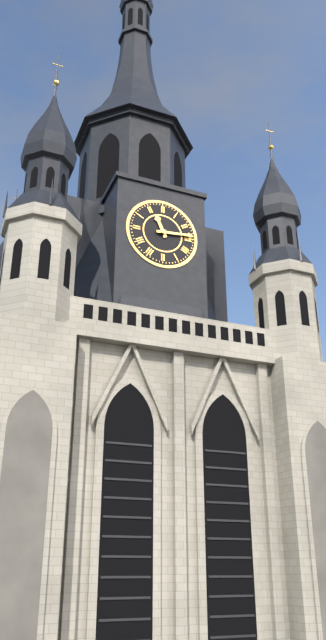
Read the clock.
11:14
